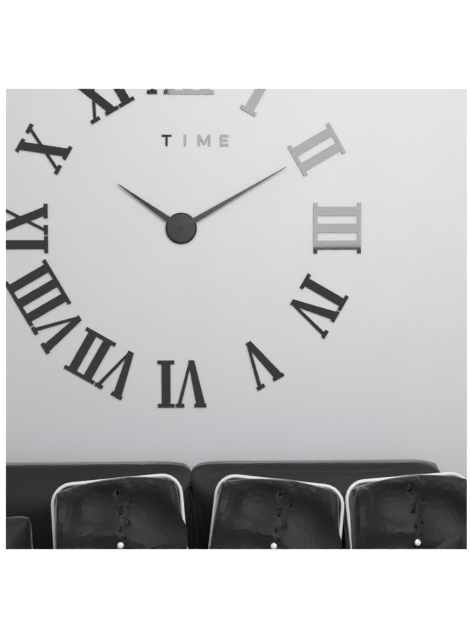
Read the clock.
10:10
